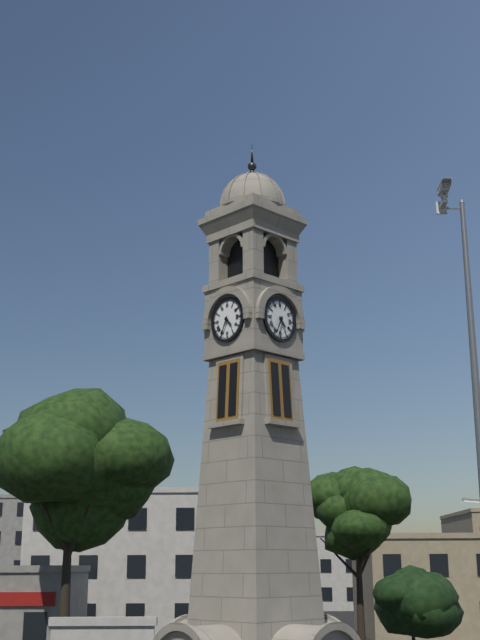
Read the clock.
4:34
